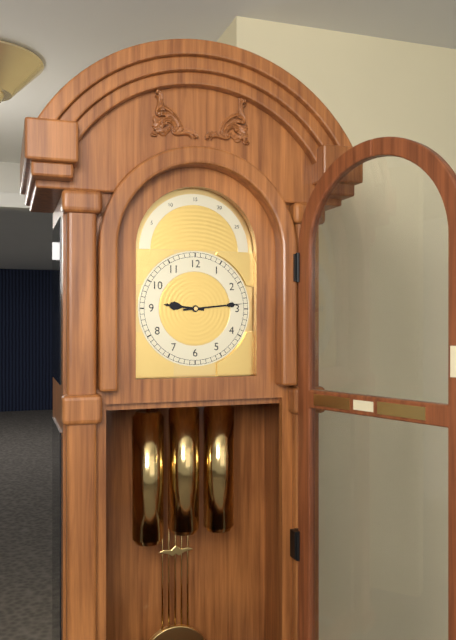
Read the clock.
9:14
